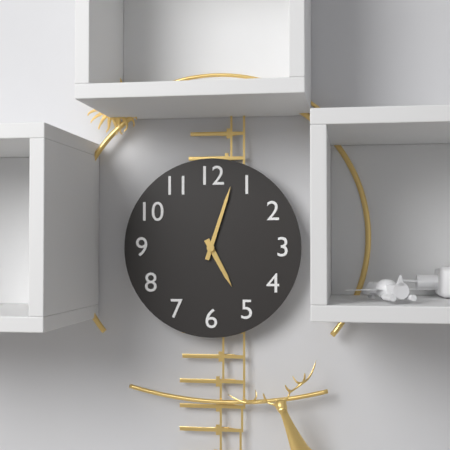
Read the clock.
5:03
